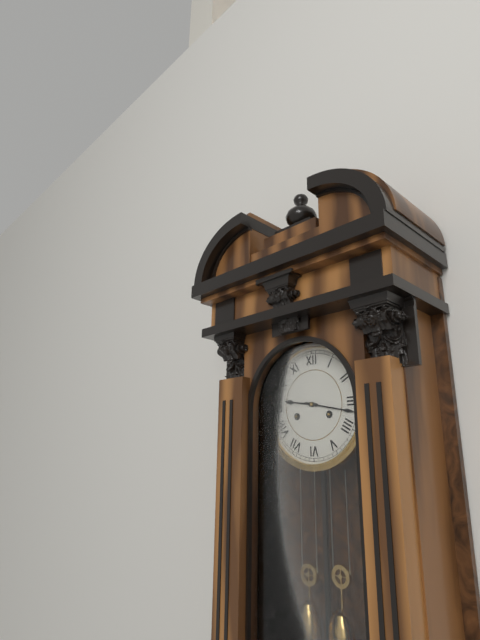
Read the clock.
9:17
